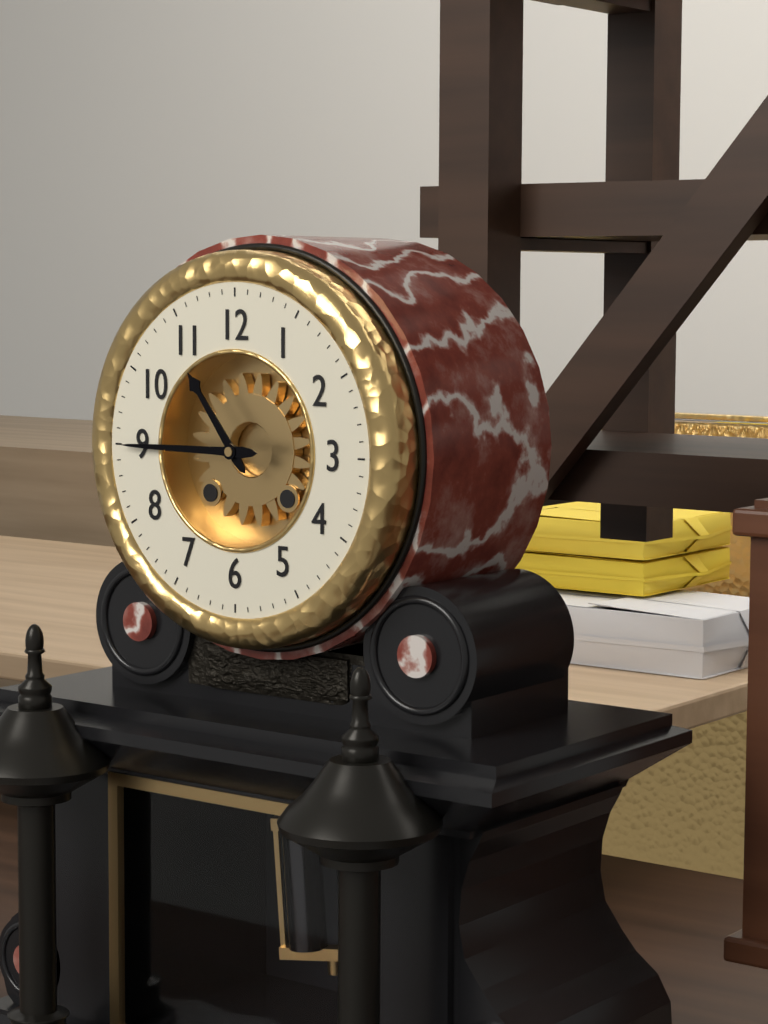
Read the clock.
10:45
